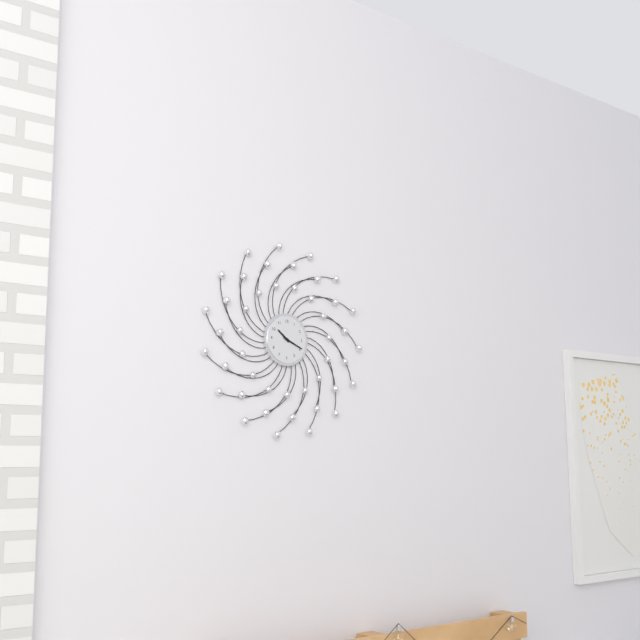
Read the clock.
10:19
